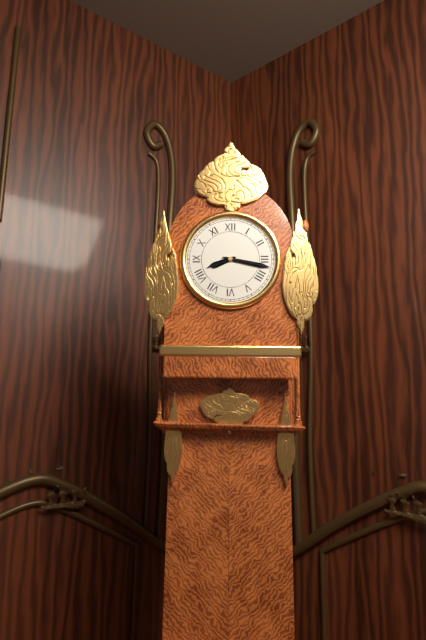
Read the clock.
8:17
